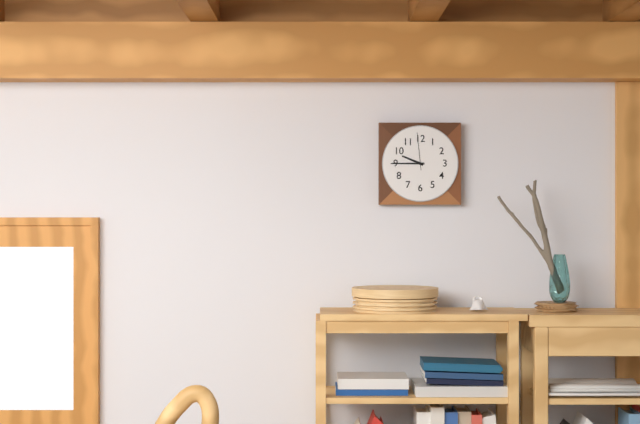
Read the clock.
9:45
